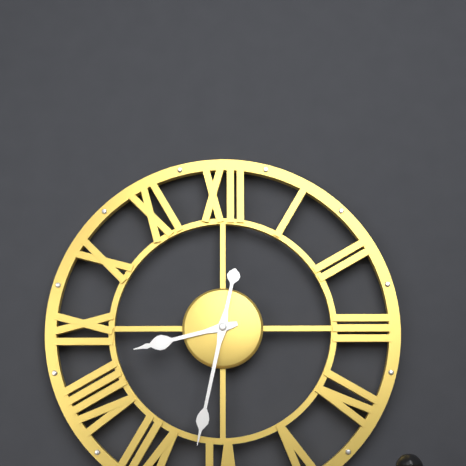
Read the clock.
8:32
